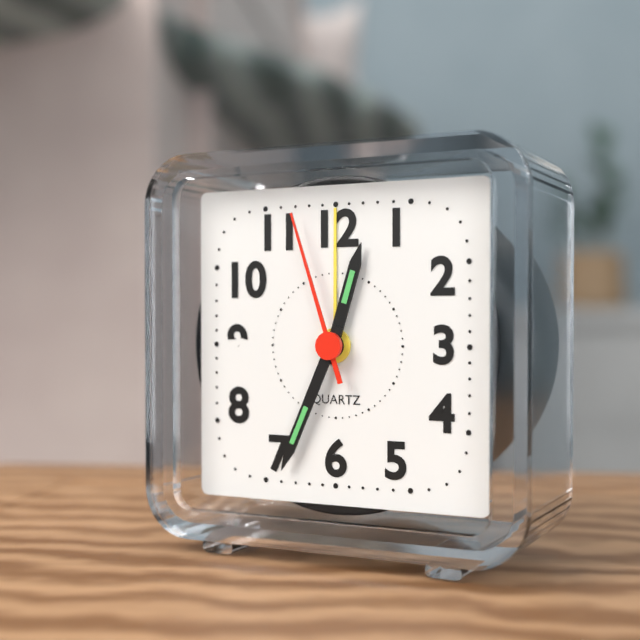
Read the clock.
12:34:57
